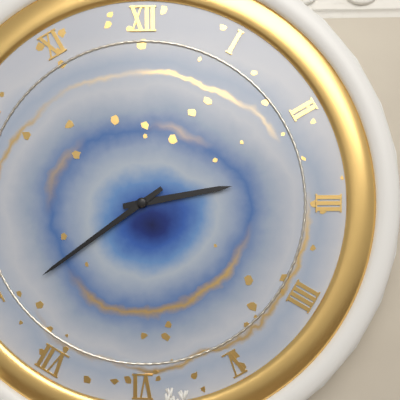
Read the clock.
2:39
